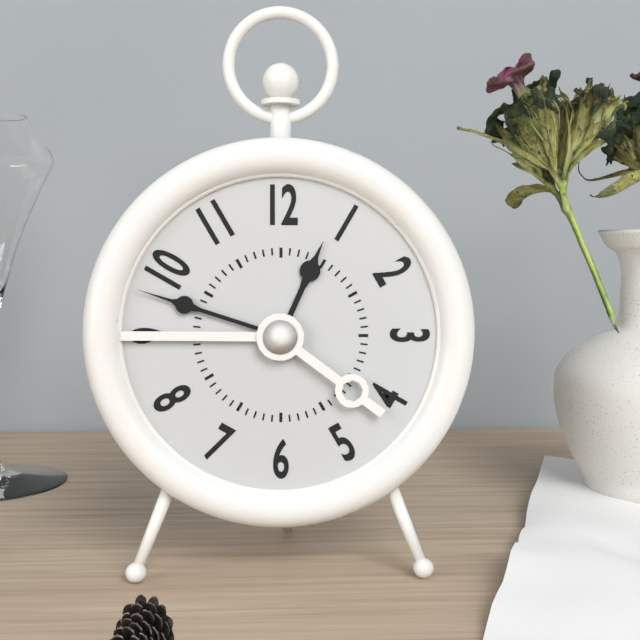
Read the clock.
12:48
